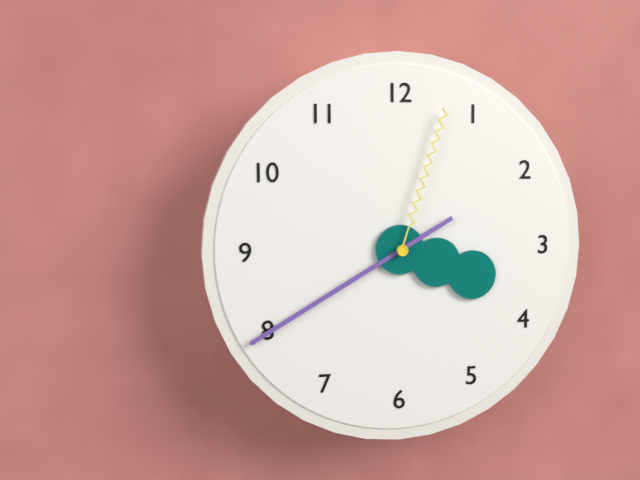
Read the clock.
3:40:03
